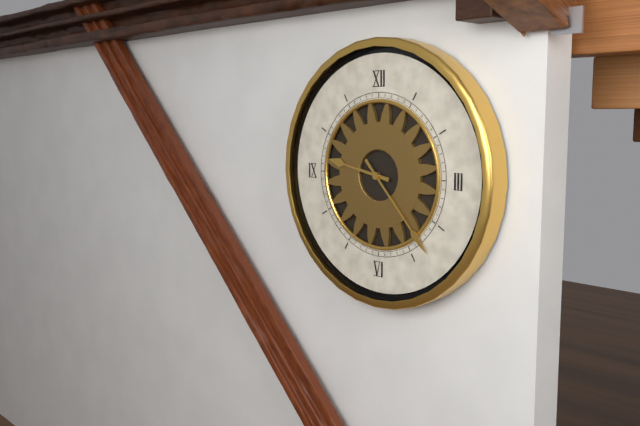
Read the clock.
9:23
